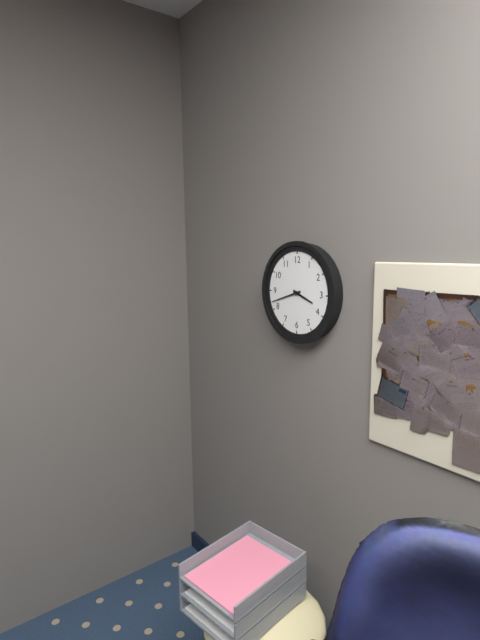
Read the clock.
3:42
